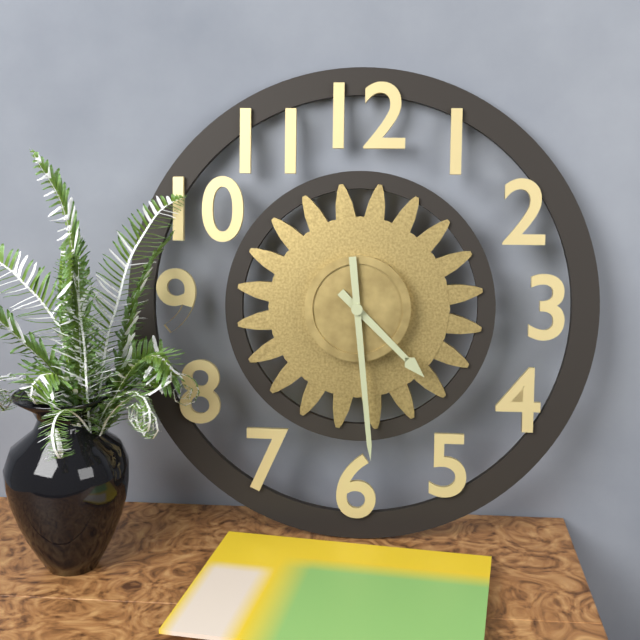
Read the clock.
4:29
